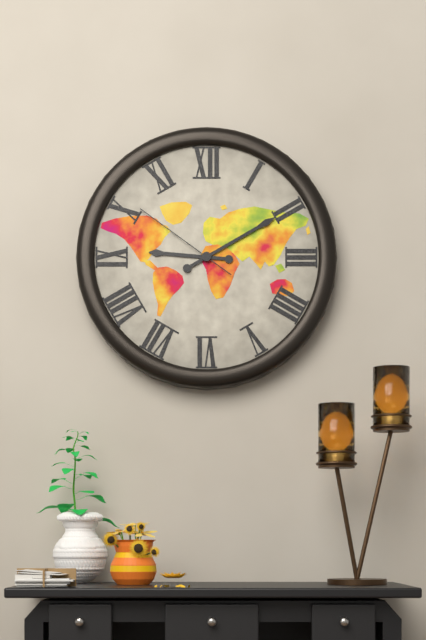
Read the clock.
9:10:51
